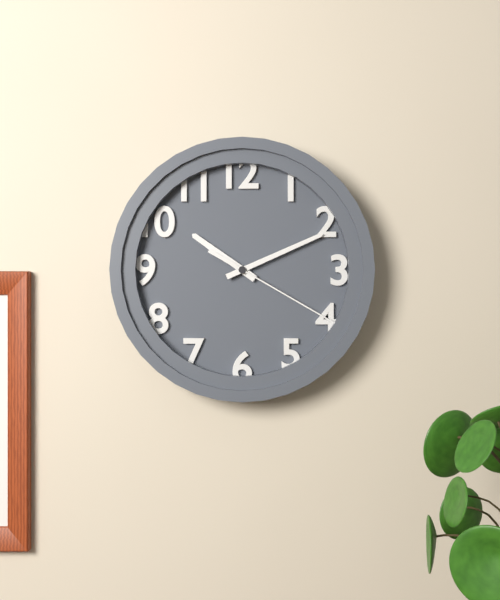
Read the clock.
10:11:20
